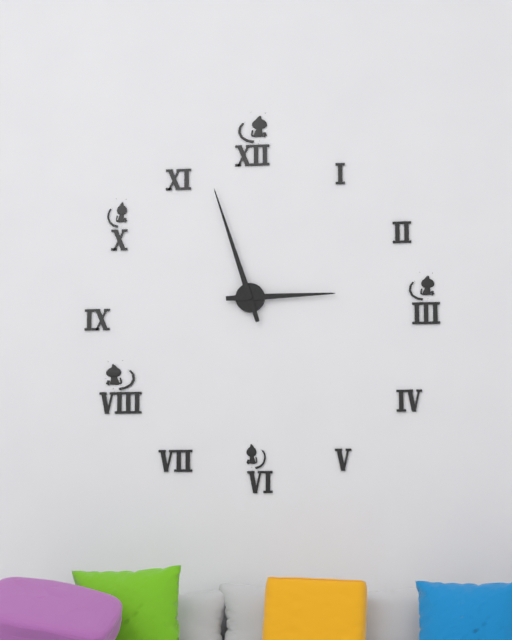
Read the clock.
2:57
